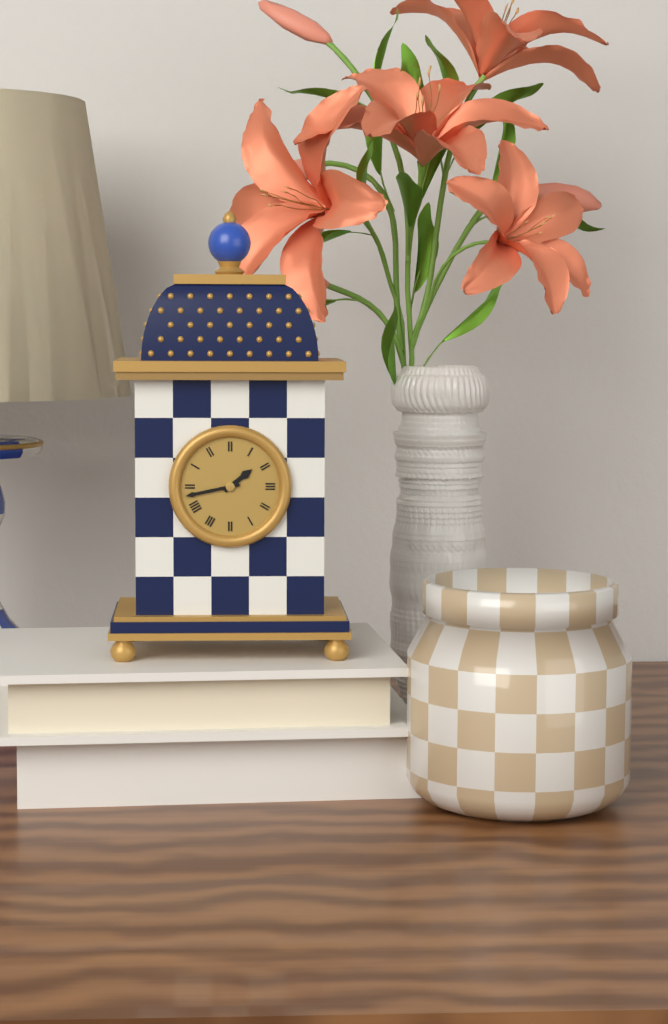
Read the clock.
1:43
